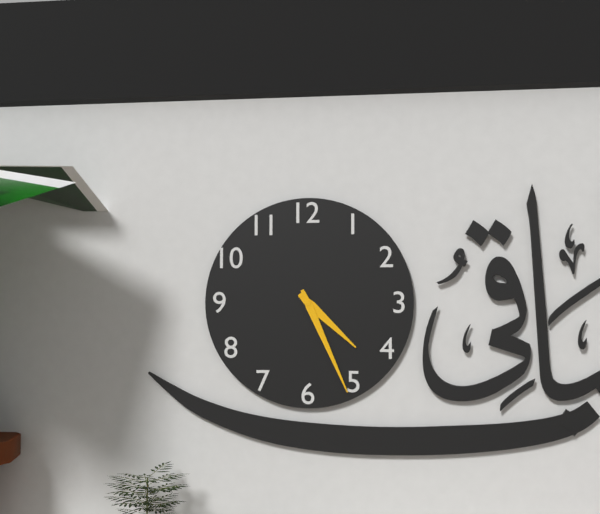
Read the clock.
4:26
